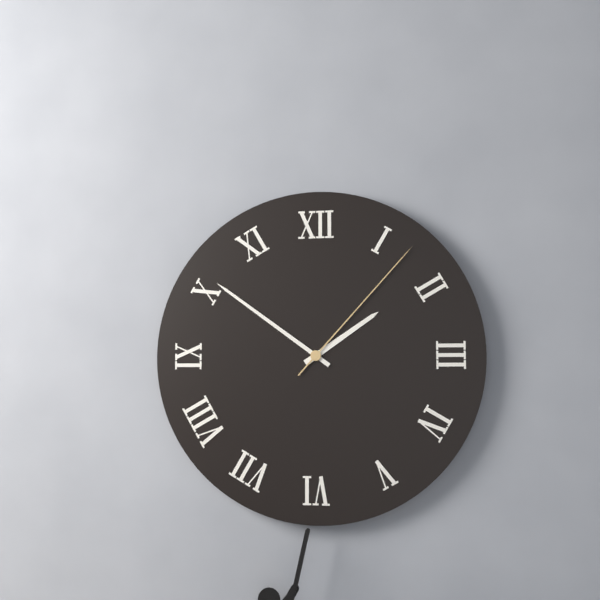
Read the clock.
1:51:07
